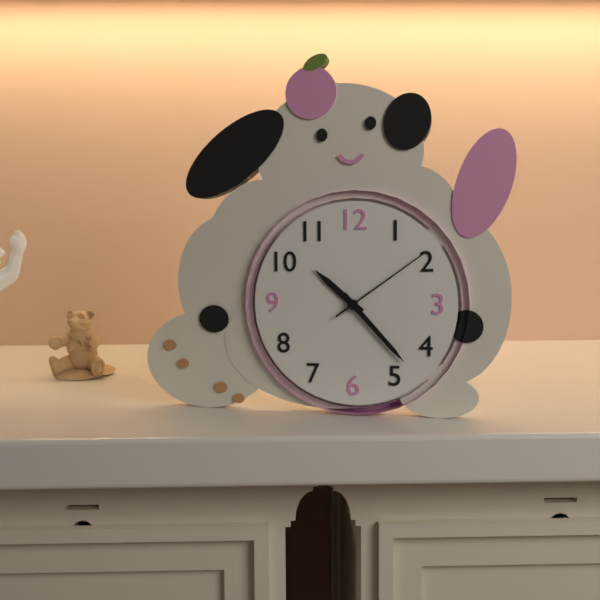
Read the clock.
10:23:09
